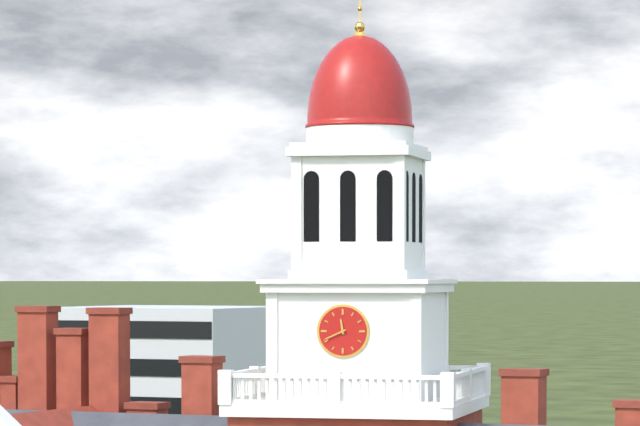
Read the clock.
11:41
